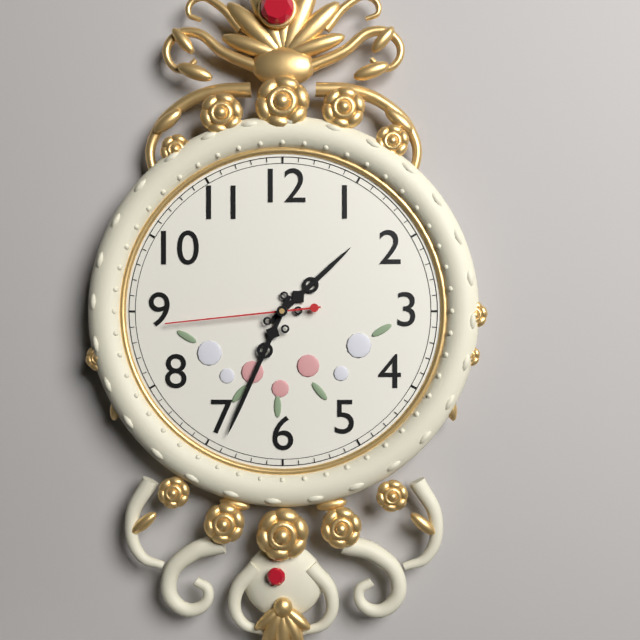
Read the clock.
1:34:44
